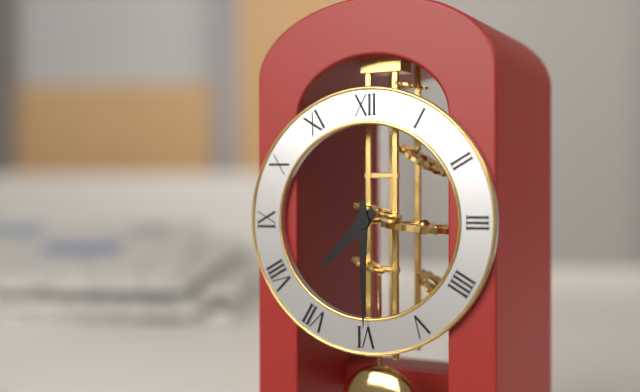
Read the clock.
7:30
